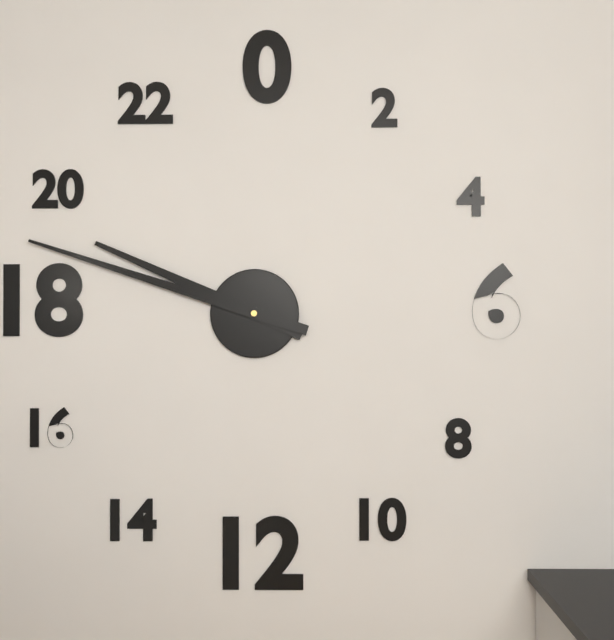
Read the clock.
9:48
